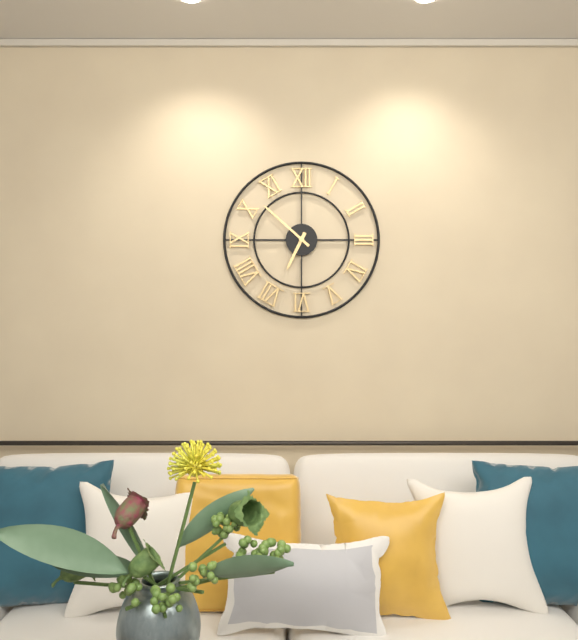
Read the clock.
6:52
